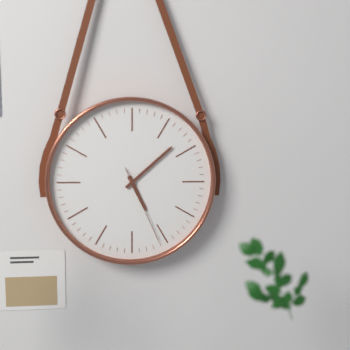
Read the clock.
5:08:26
